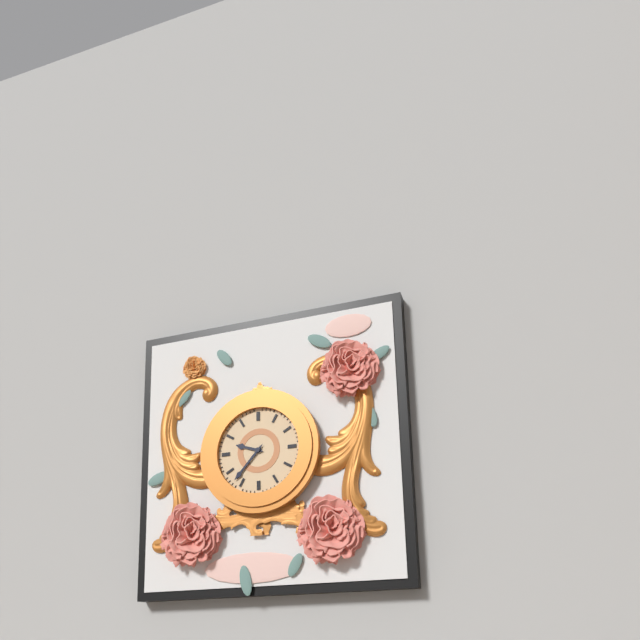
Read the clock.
9:37
